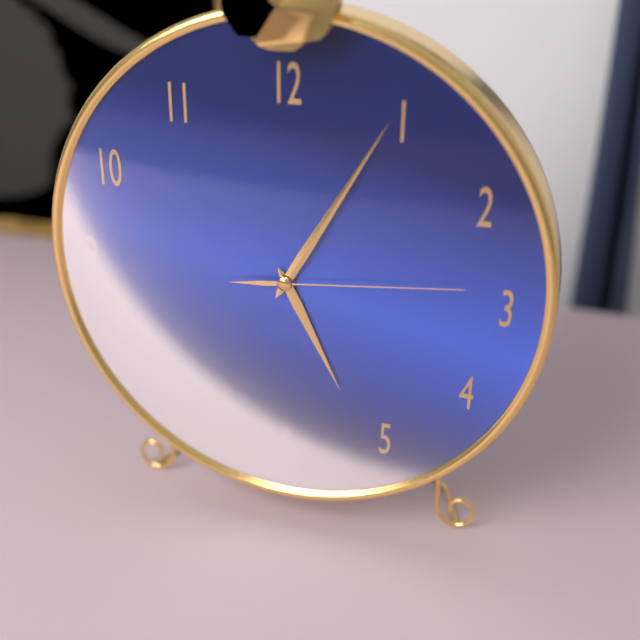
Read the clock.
5:05:14
